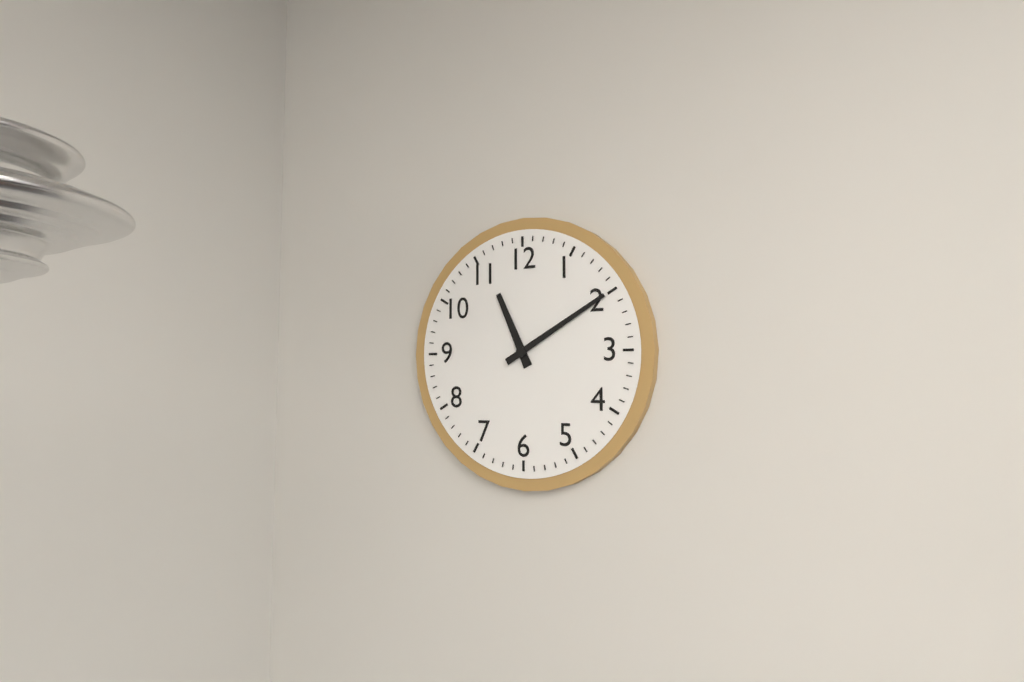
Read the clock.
11:10
